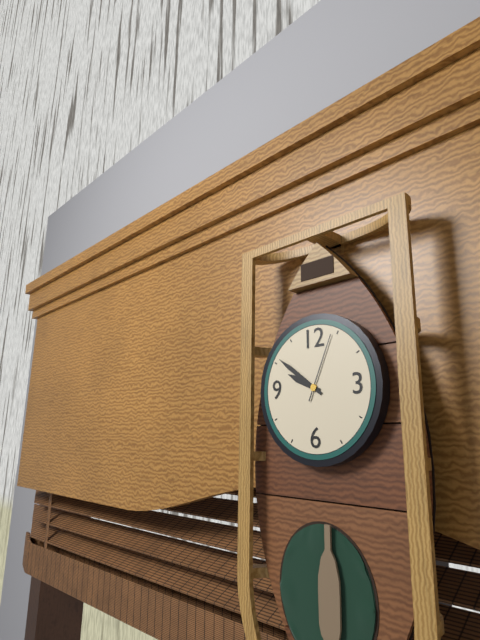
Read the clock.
9:51:04
